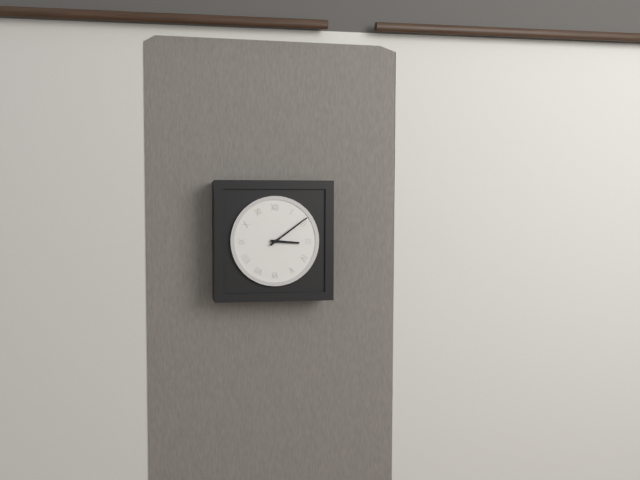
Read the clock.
3:09
